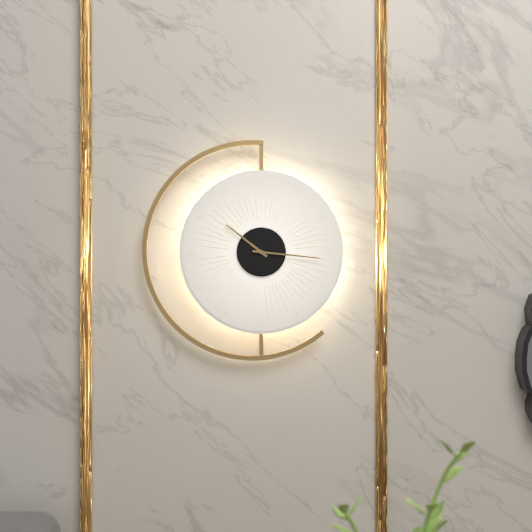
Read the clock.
10:16
